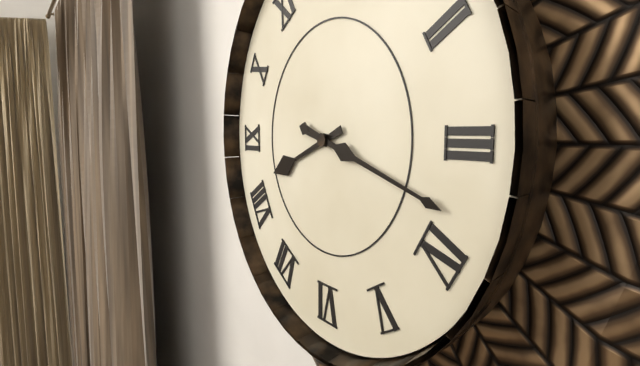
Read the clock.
8:18
